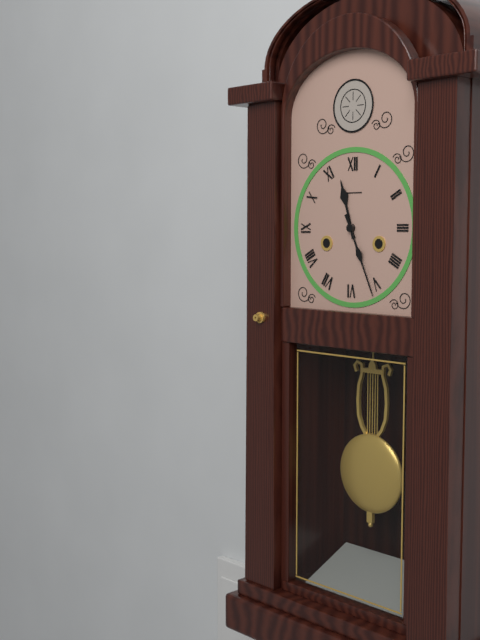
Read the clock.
11:26
